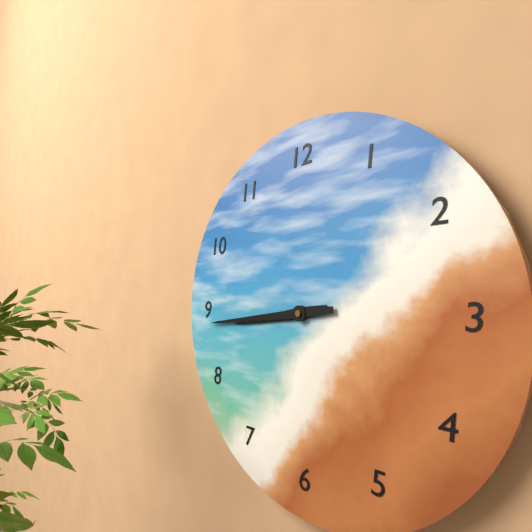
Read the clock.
8:44
